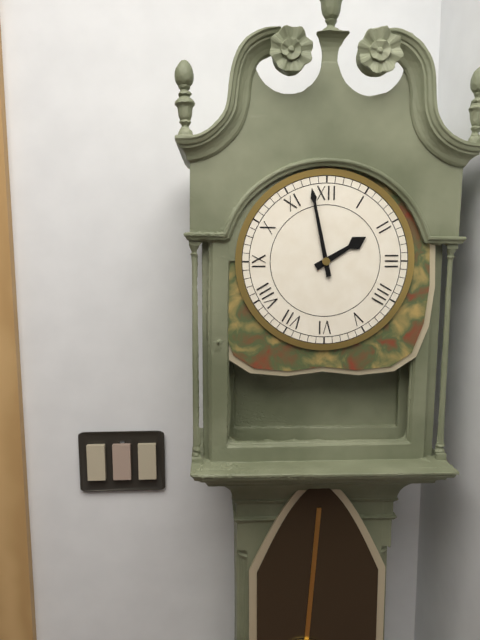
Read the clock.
1:58
